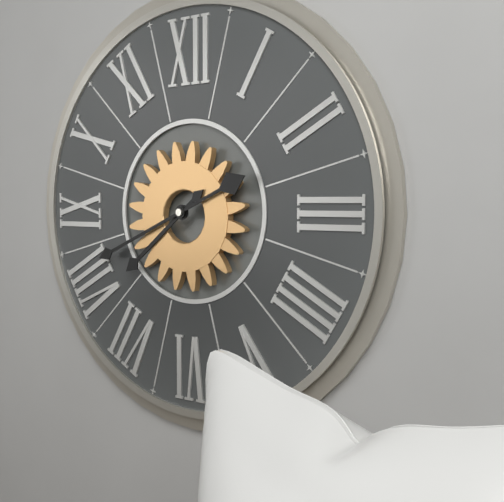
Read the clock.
7:41
